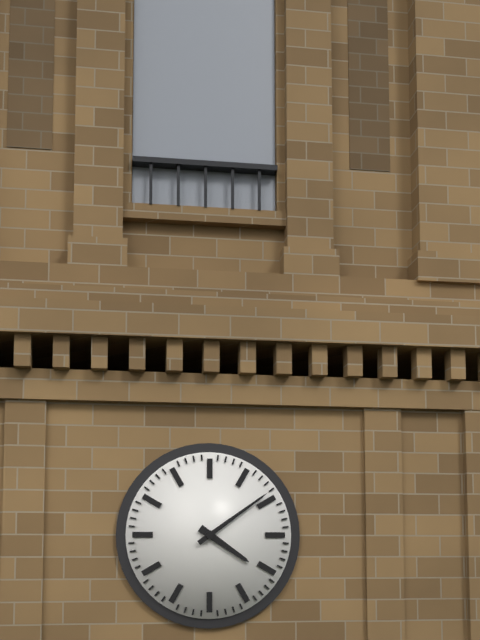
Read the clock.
4:09
